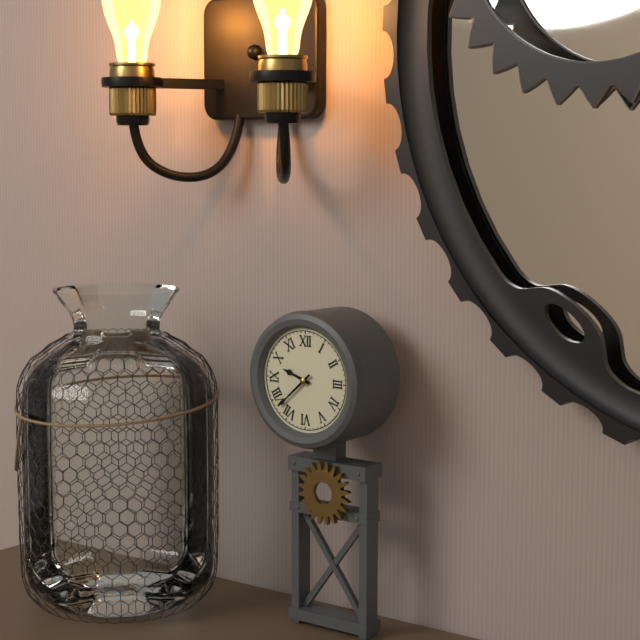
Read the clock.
9:38
